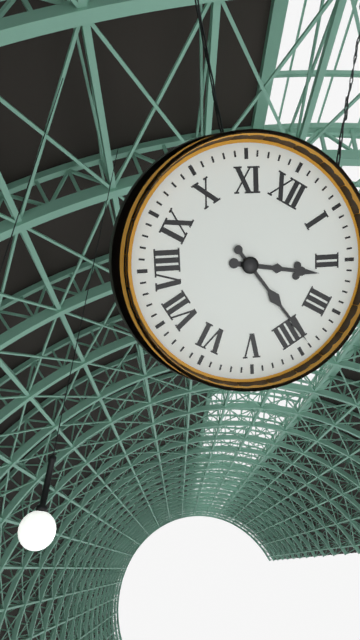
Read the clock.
2:19
